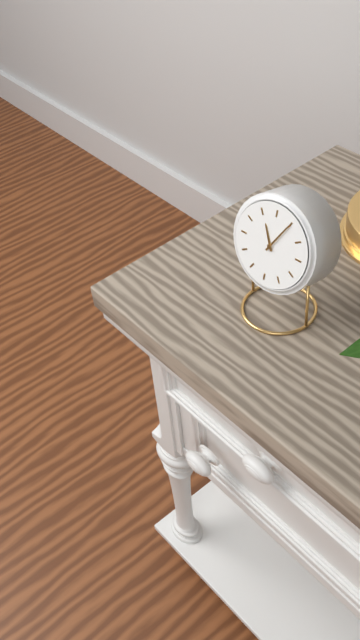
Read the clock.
11:05
